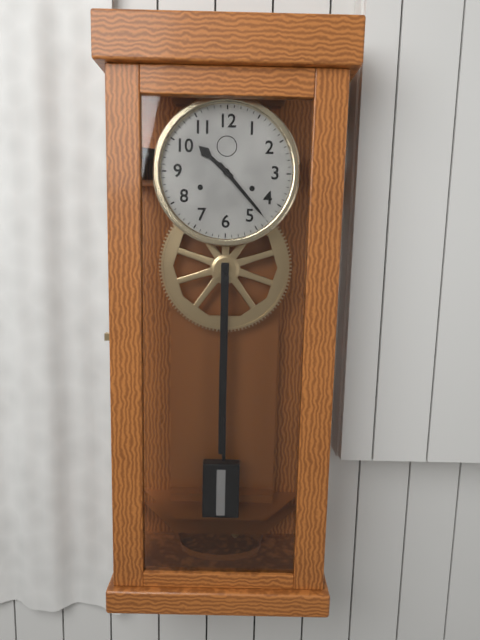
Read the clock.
10:23
